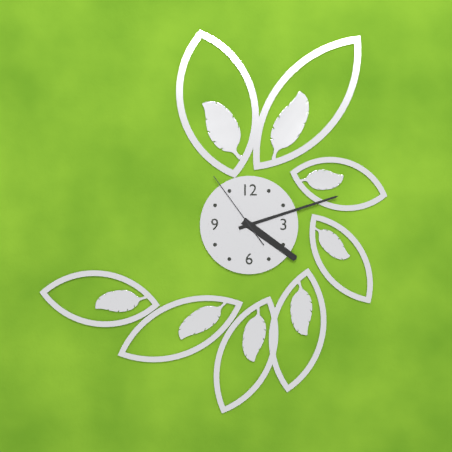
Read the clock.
4:12:54
